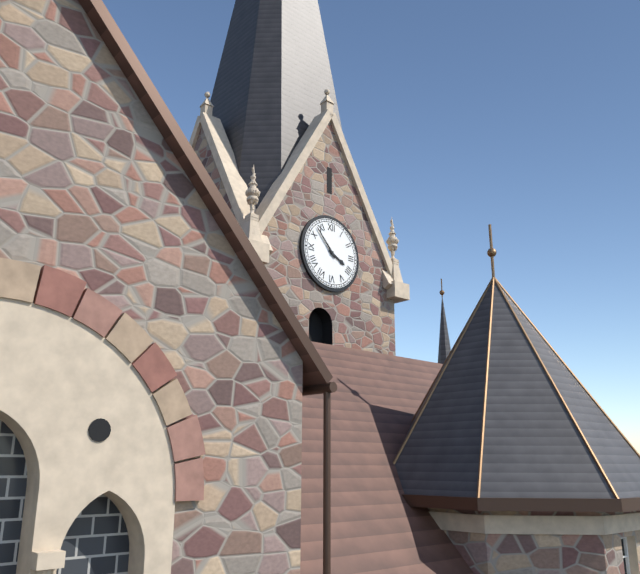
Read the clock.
3:53
